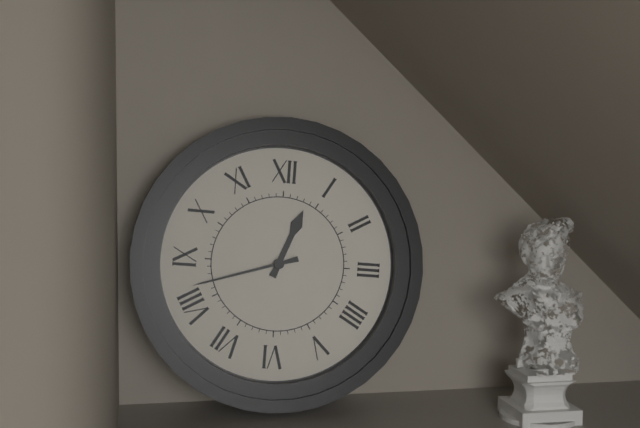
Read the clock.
12:42
